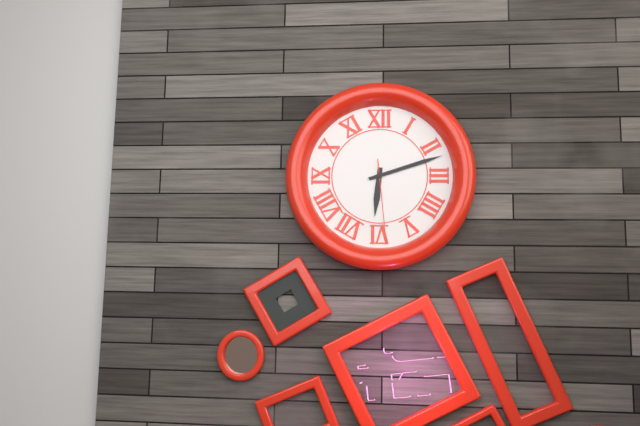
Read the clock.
6:12:29
